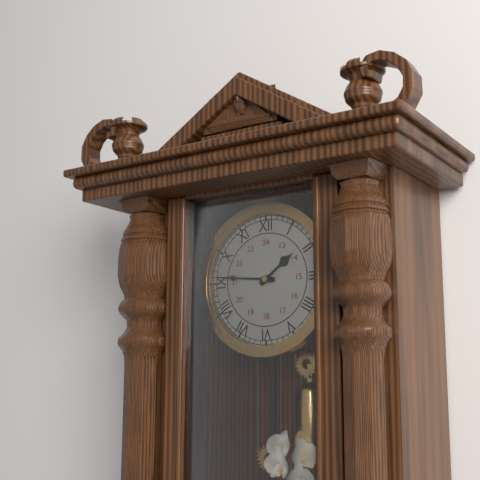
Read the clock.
1:46
